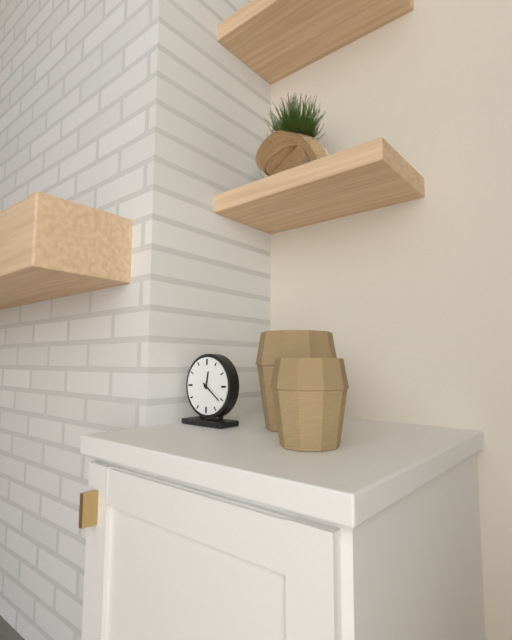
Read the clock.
12:21
